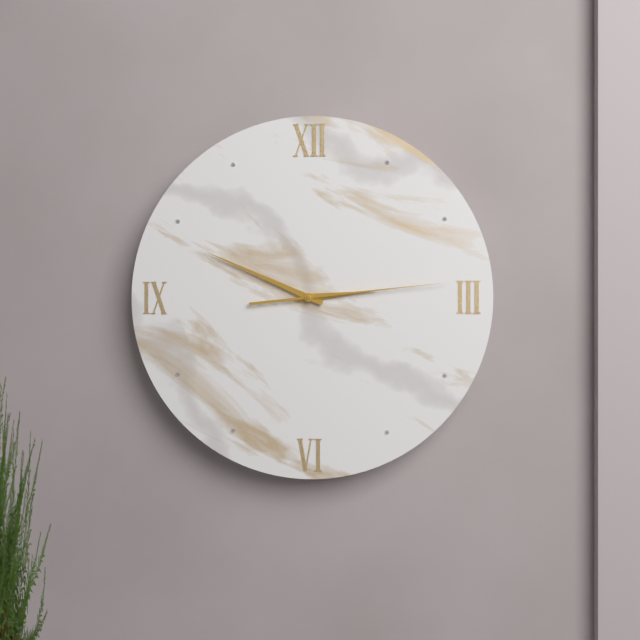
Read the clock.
2:49:14
